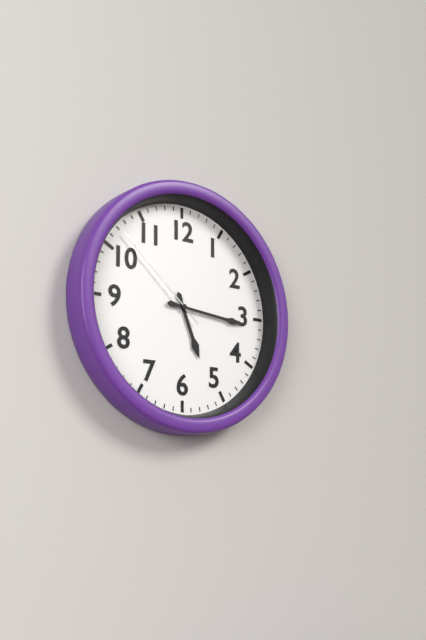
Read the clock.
5:16:52
